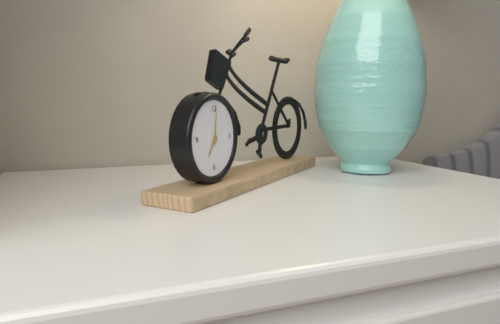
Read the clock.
7:01
